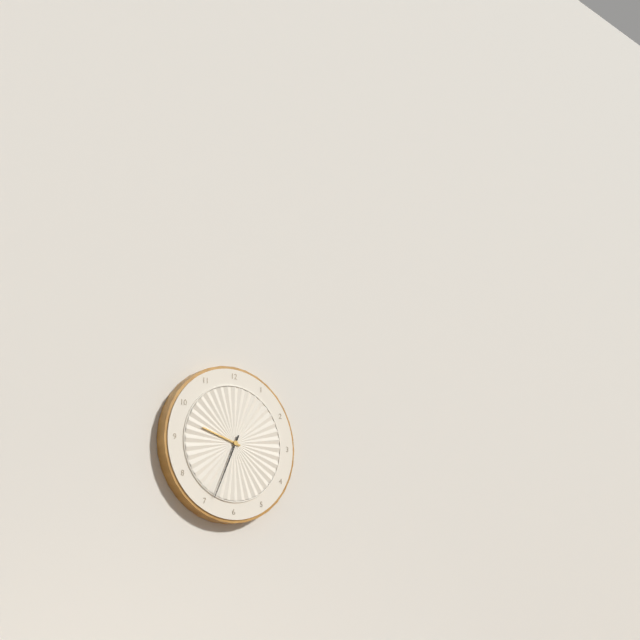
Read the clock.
9:34
